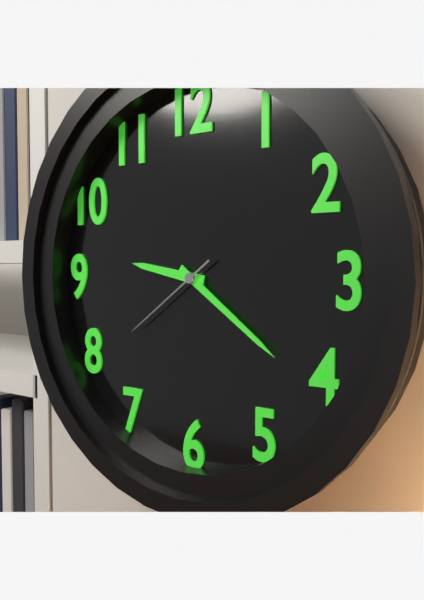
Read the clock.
9:21:39
